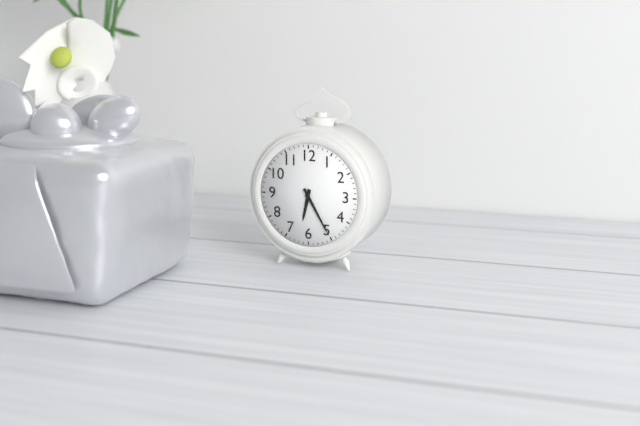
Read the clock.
6:25
